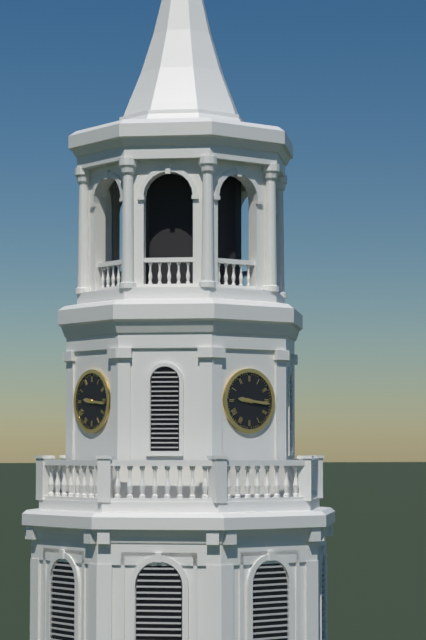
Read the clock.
9:16
